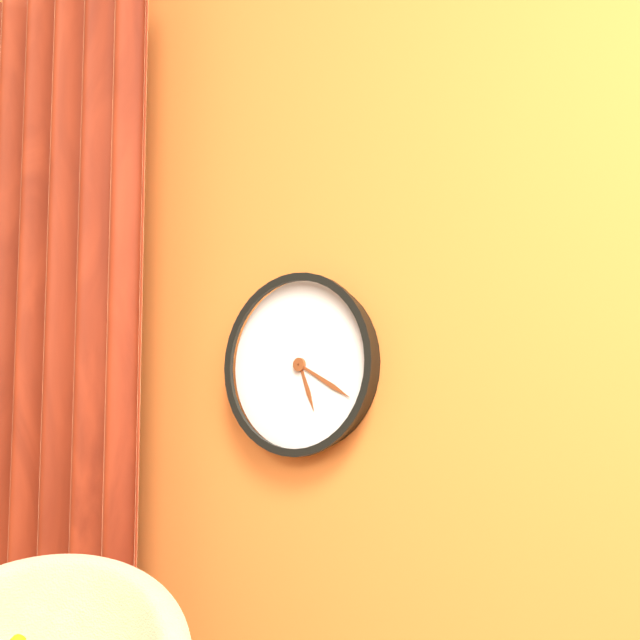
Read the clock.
5:20
